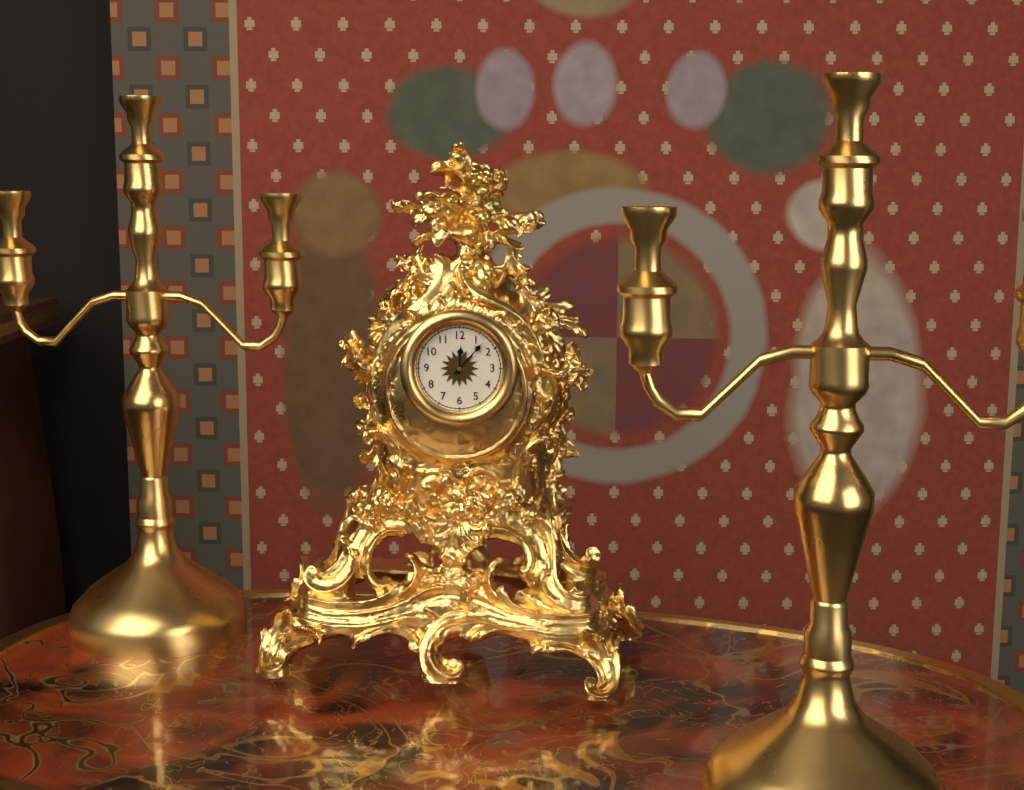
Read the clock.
12:07
